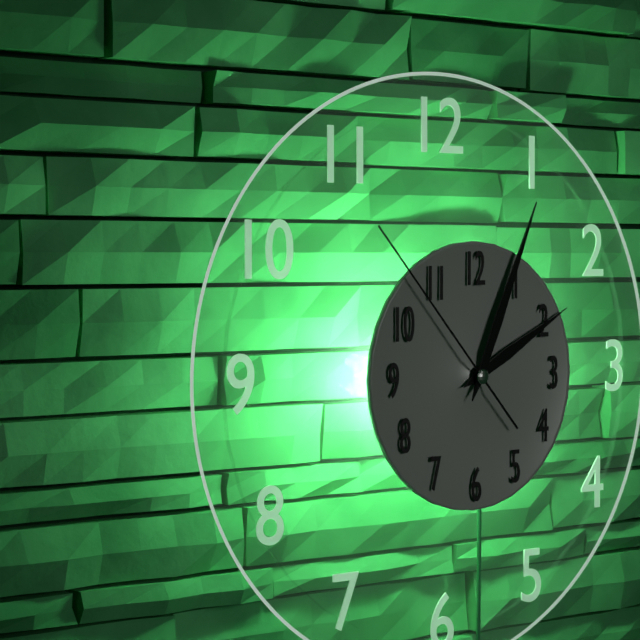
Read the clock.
2:04:53
